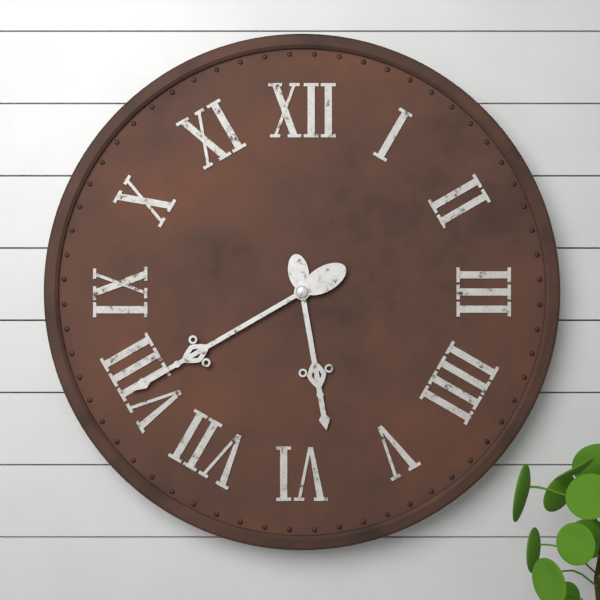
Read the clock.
5:40
